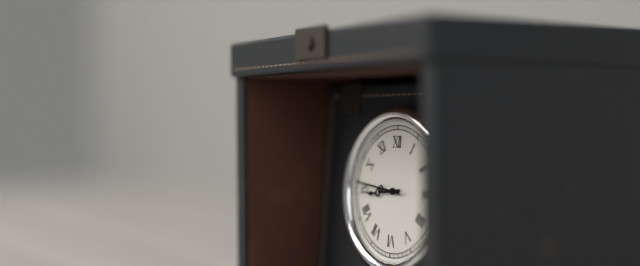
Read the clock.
8:46
